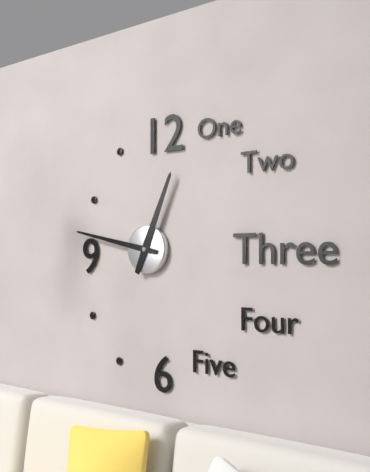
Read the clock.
12:47
